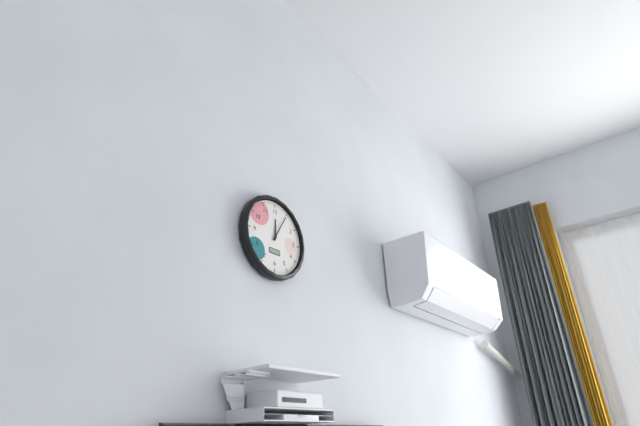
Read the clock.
12:05
